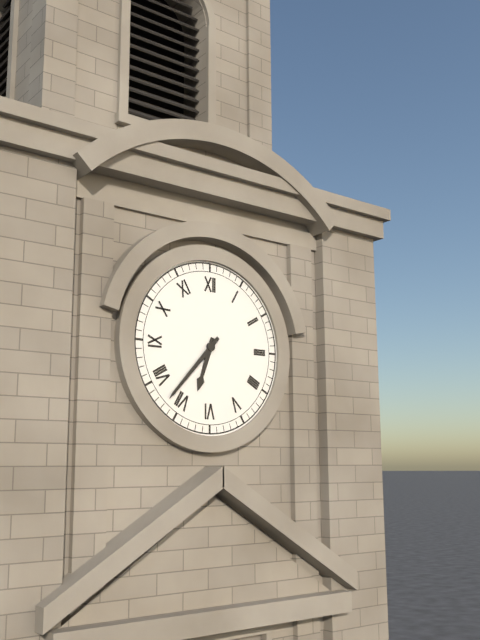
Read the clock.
6:37
